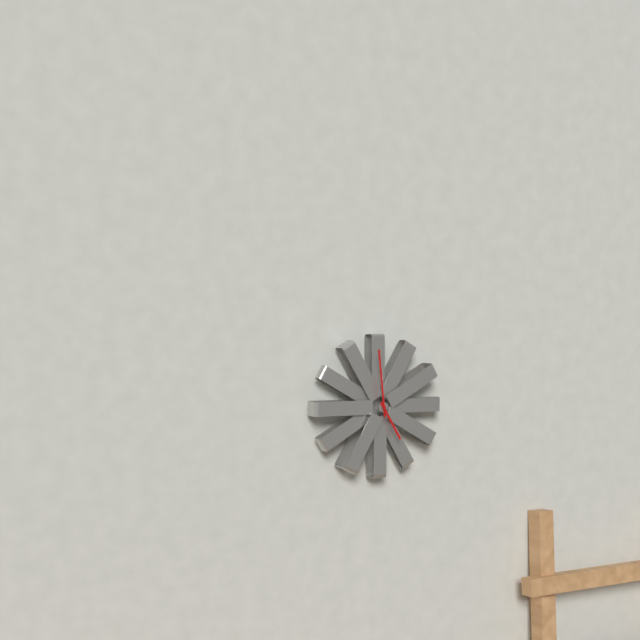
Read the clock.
4:59
